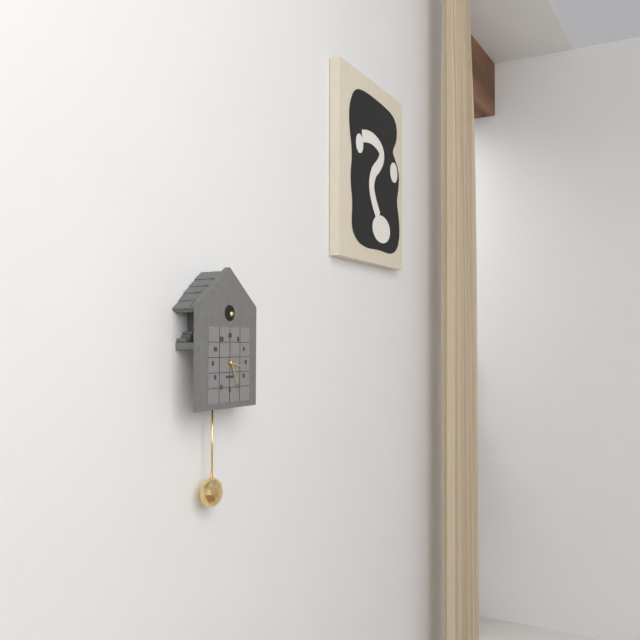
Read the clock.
3:26
